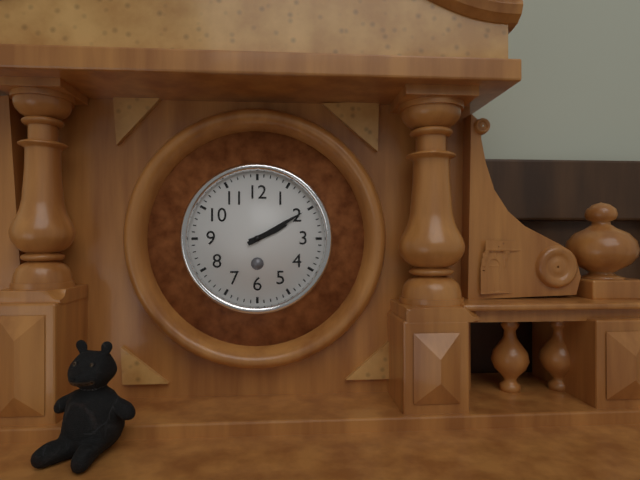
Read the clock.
2:10
